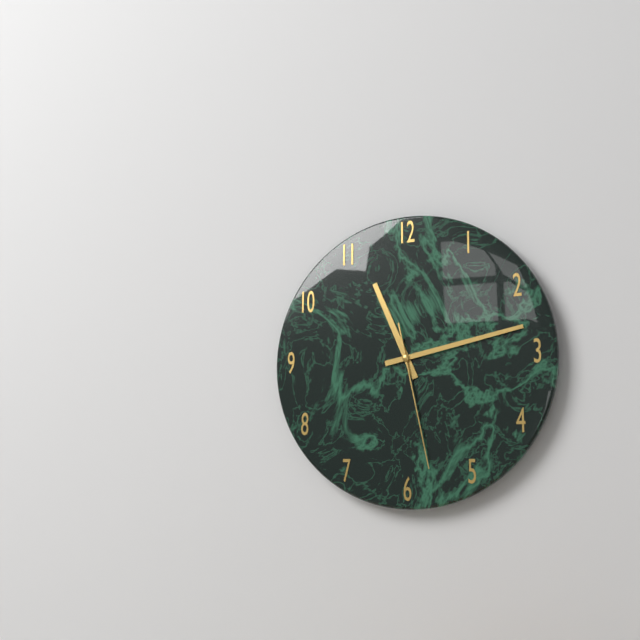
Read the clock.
11:13:28
